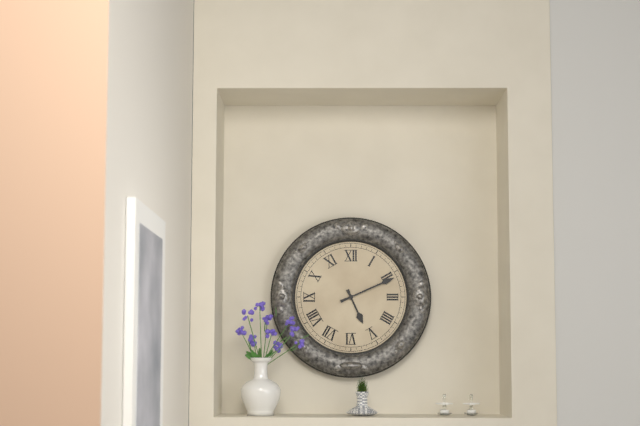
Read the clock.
5:11
